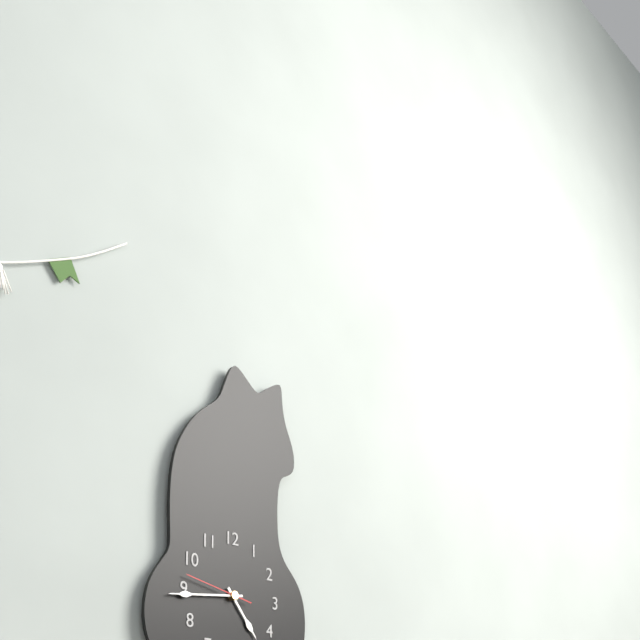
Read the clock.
4:44:47
